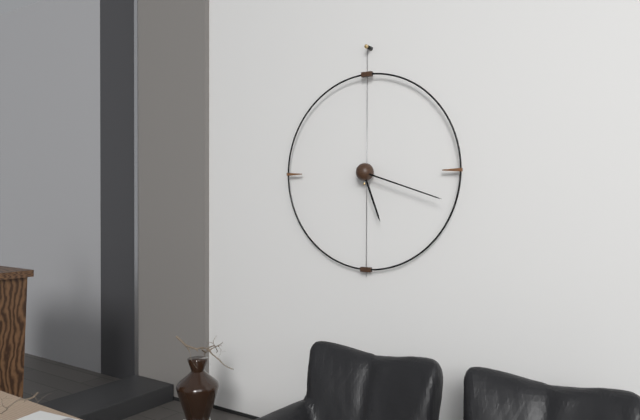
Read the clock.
5:18
